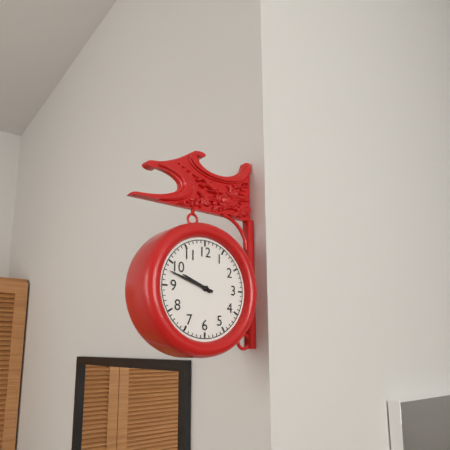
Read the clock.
9:48
